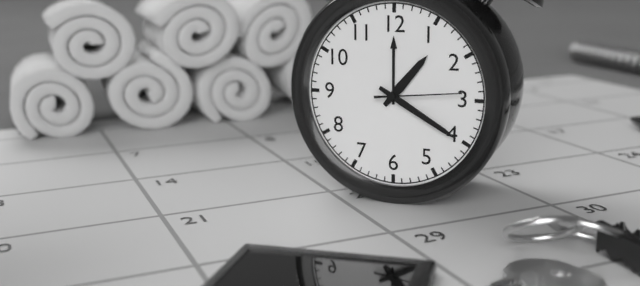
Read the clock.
1:20:14
